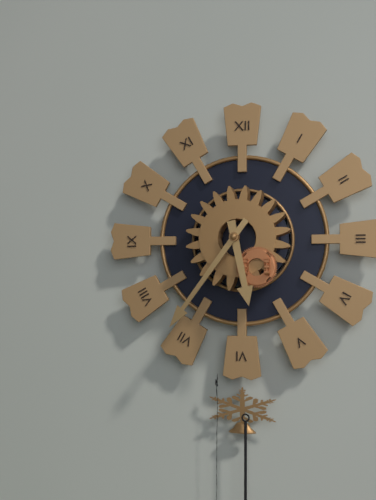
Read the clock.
5:36
